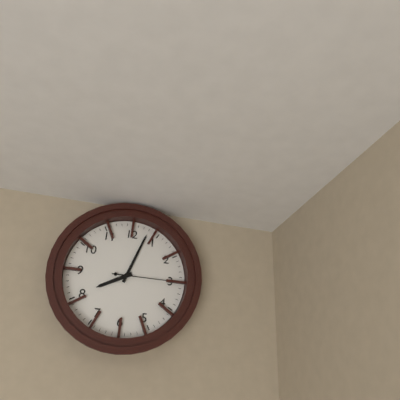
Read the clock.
8:03:15
